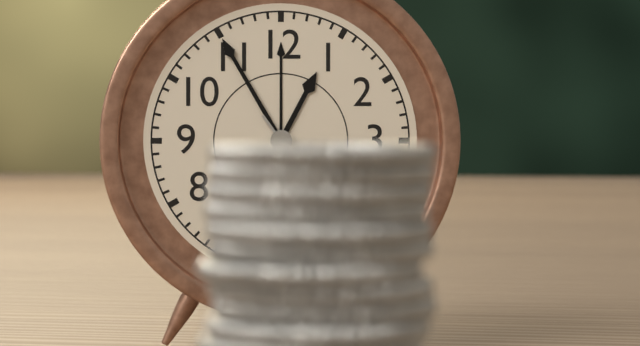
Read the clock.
12:55
